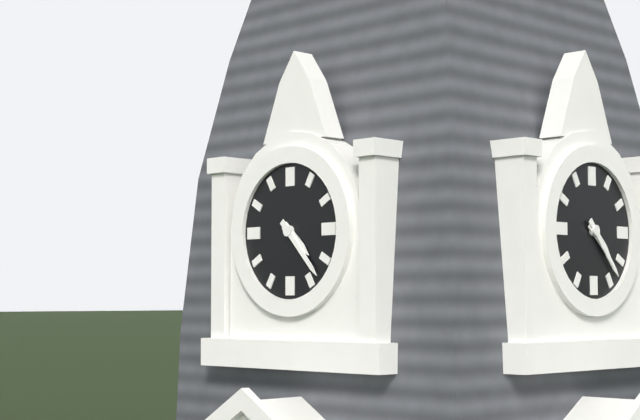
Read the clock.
4:23
